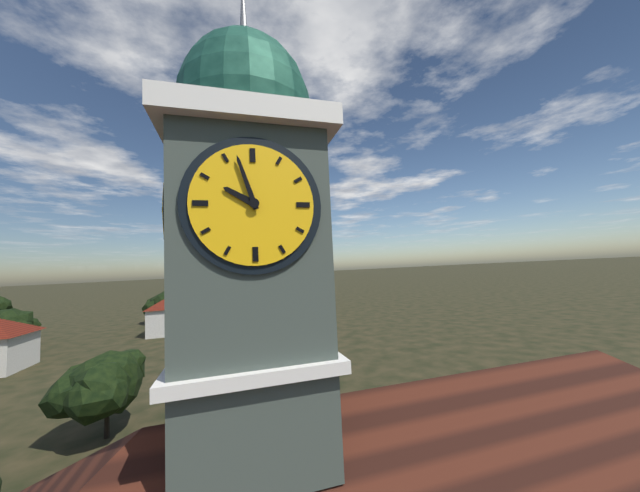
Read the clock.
9:57
